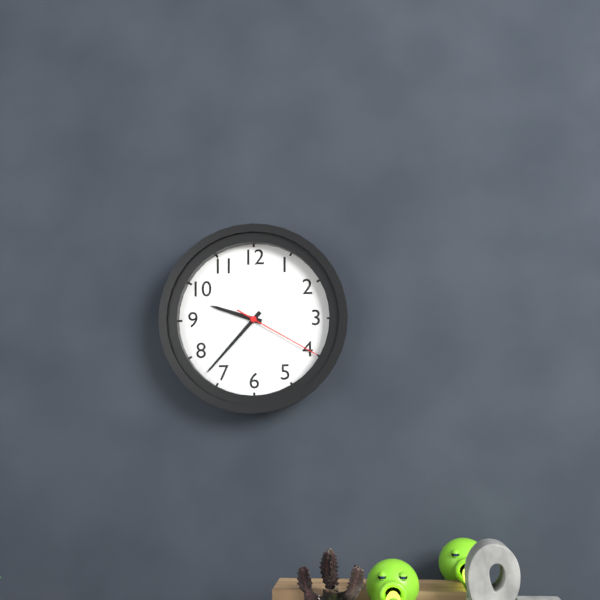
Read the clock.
9:37:20
